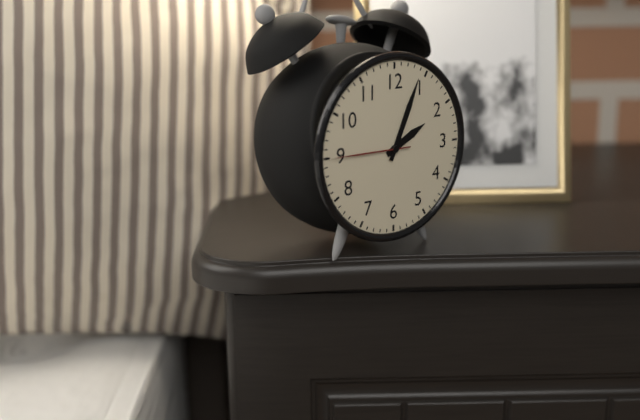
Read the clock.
2:04:45
